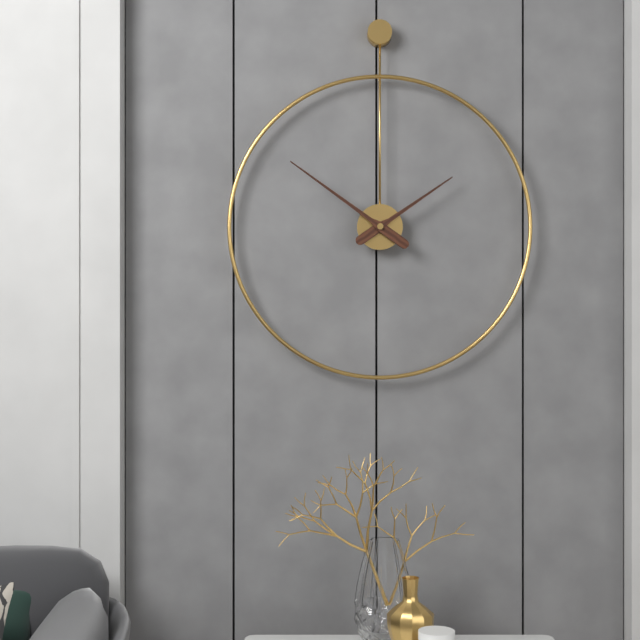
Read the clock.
1:51
